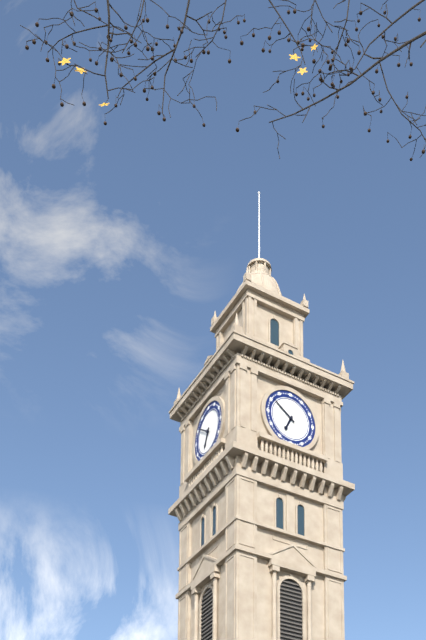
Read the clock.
6:51
